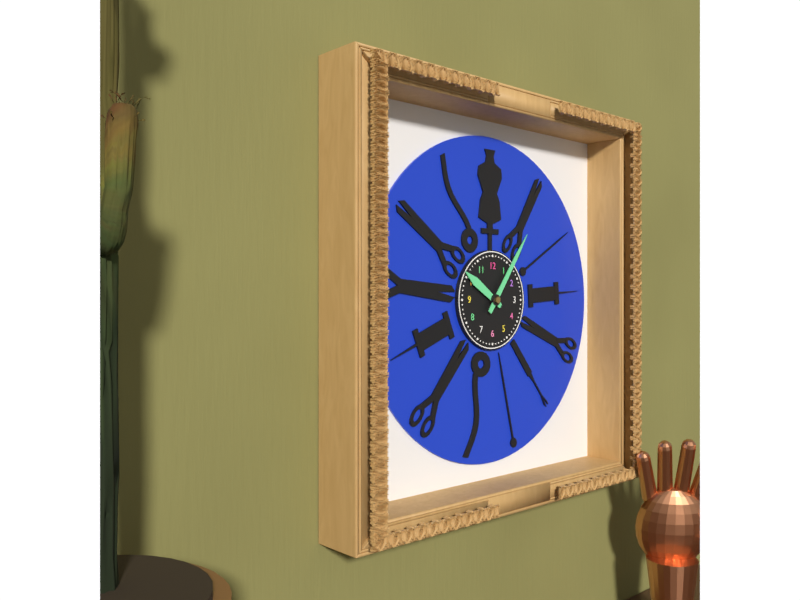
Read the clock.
10:06
